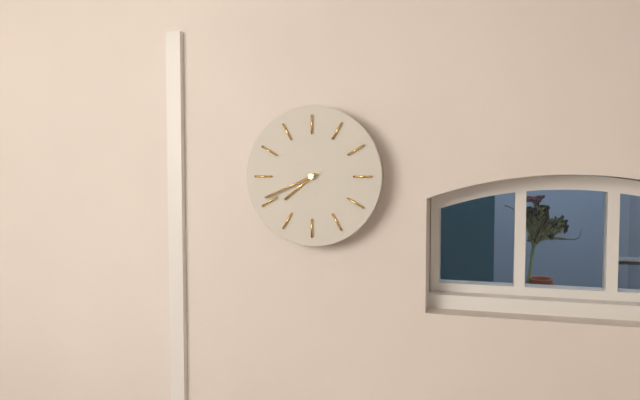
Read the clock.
7:41
